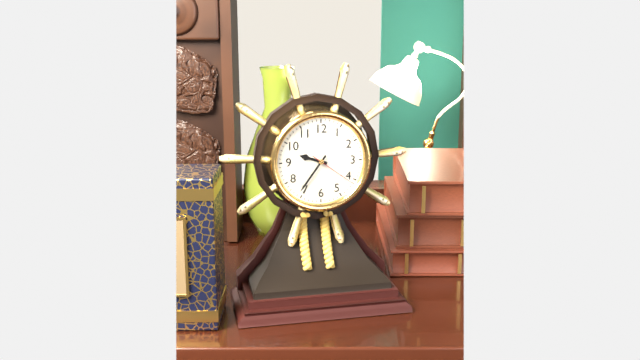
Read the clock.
9:36
